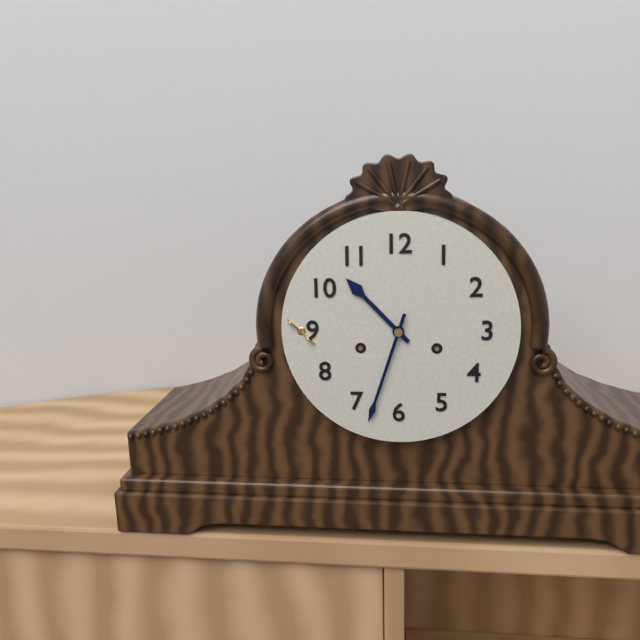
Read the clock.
10:33
